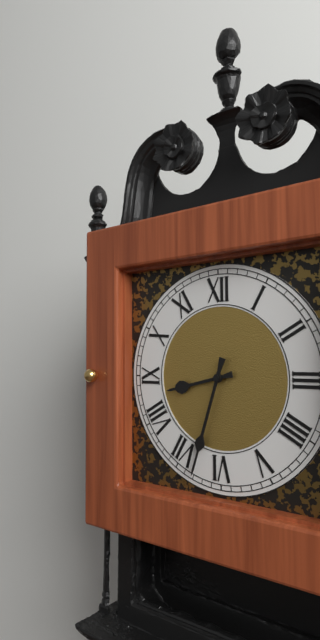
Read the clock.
8:33
